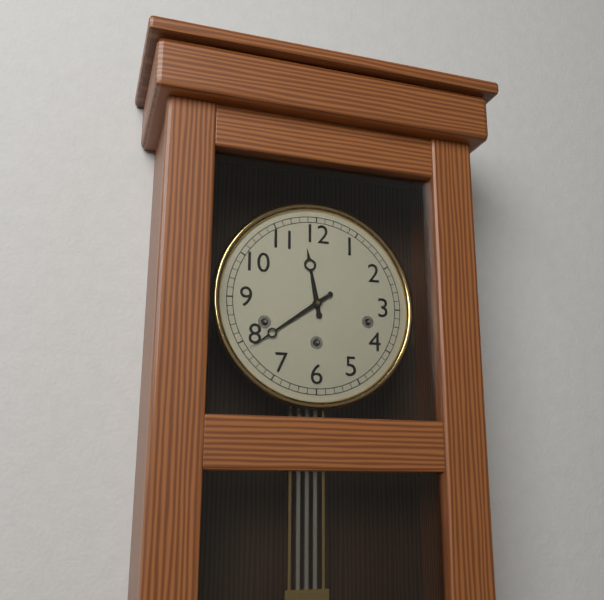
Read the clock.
11:39
